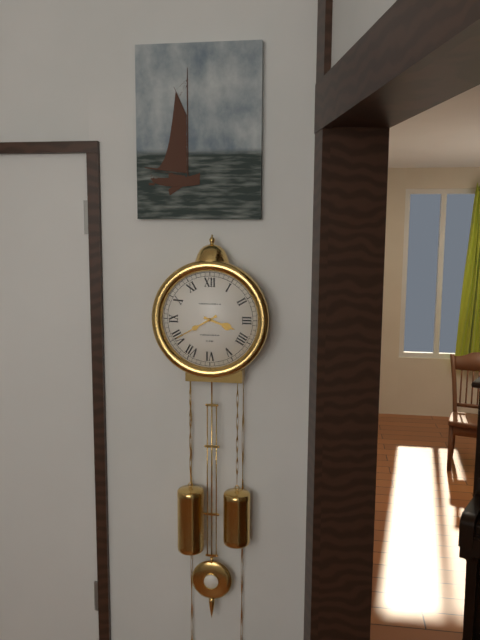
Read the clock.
3:40
